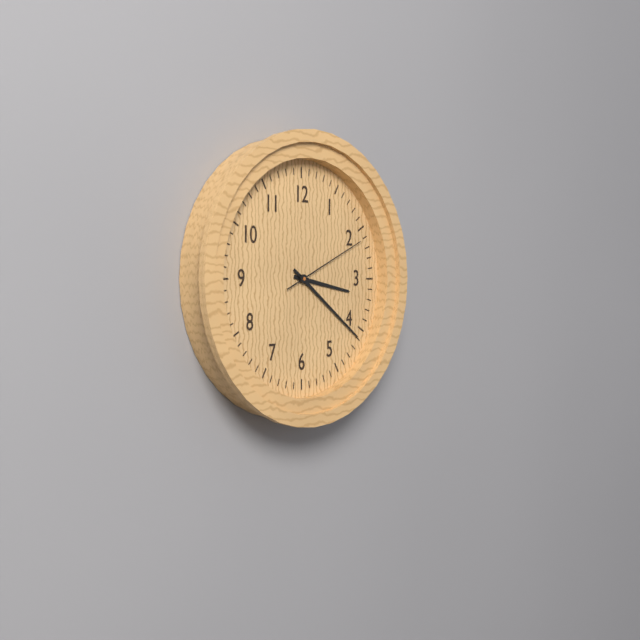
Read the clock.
3:21:11
